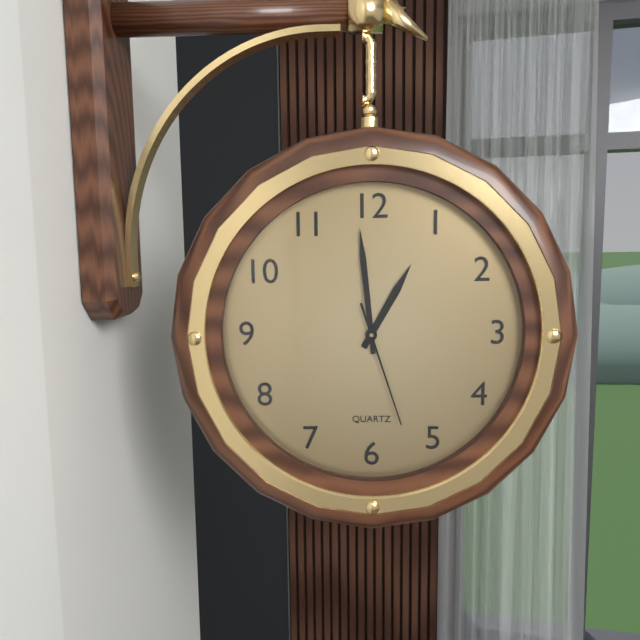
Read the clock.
12:59:27
